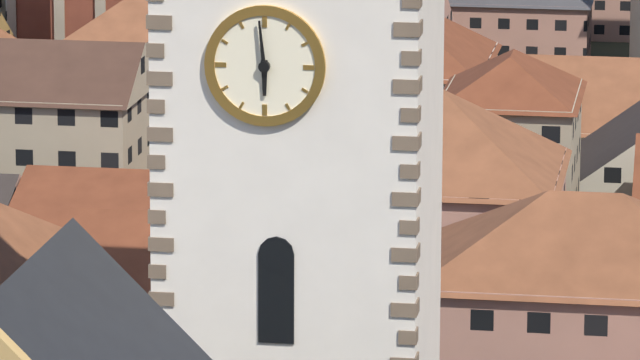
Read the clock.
5:59
